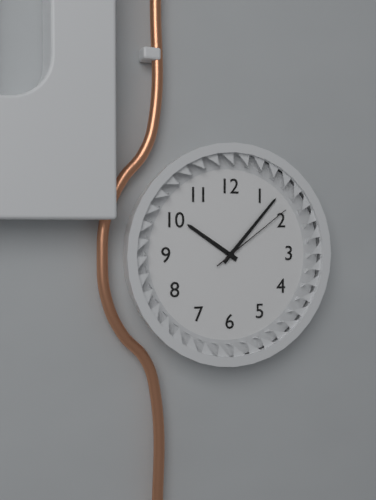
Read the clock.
10:07:09
